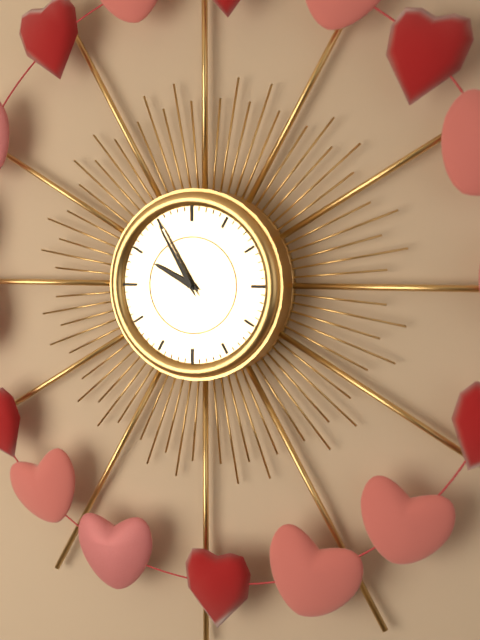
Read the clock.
9:55
